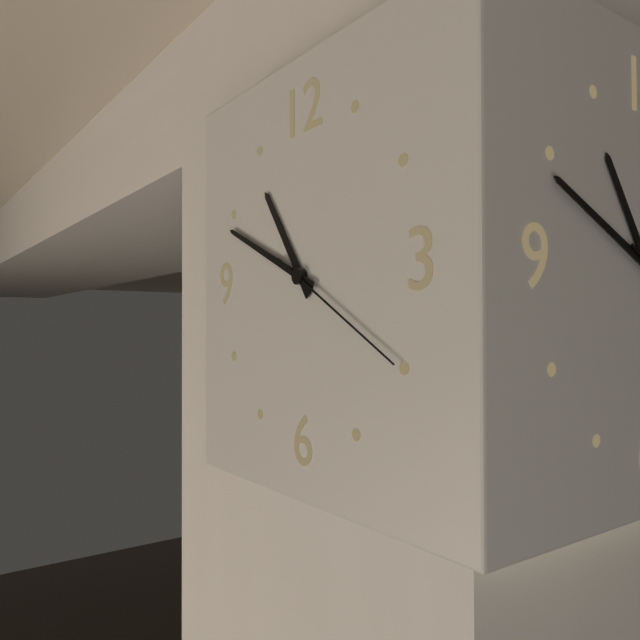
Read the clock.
10:49:20
